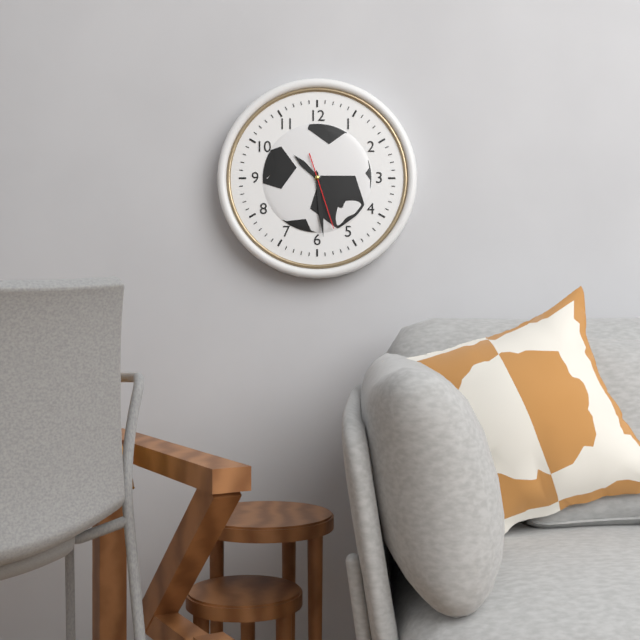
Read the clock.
10:29:27
